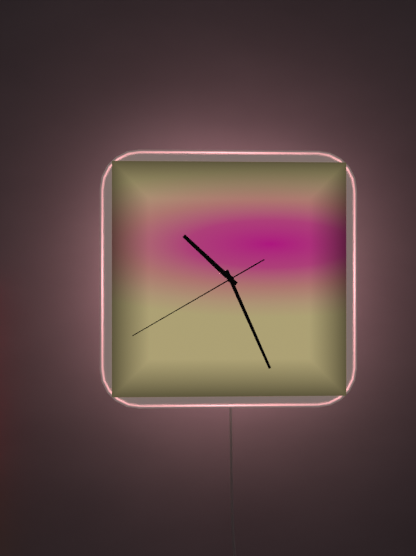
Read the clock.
10:26:40
